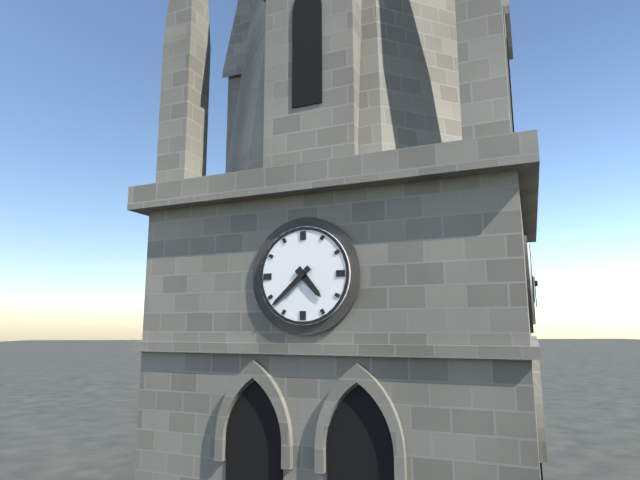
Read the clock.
4:38
